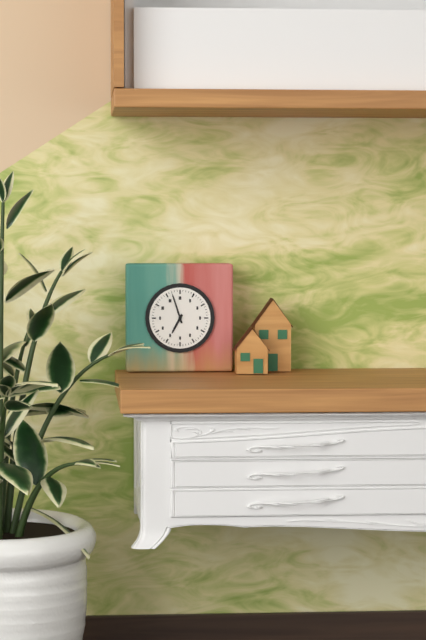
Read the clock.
6:57
